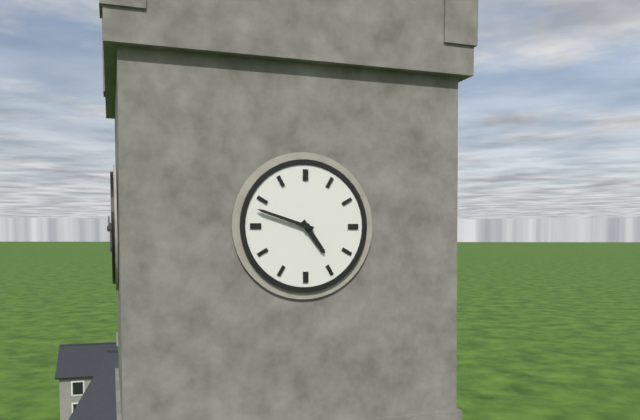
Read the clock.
4:48
